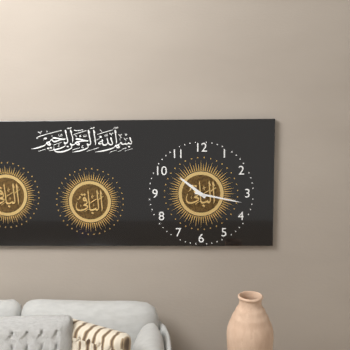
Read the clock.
10:17
